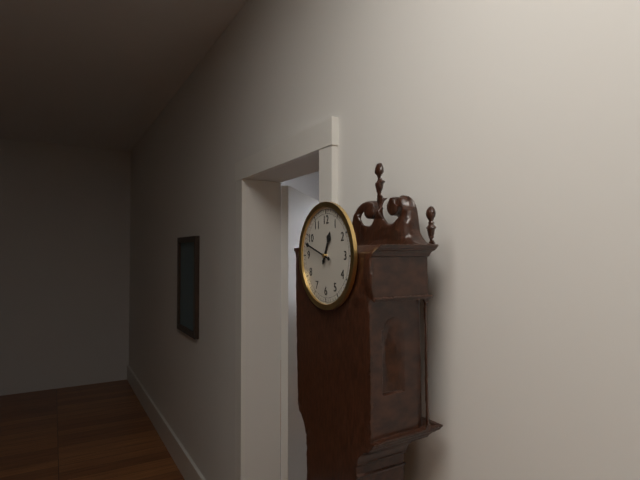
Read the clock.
12:48
